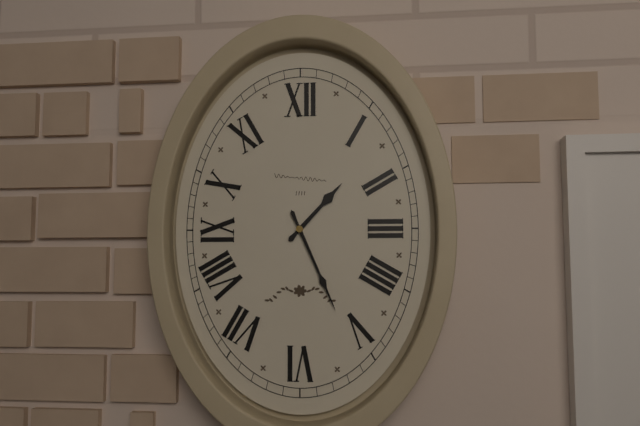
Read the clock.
1:26
